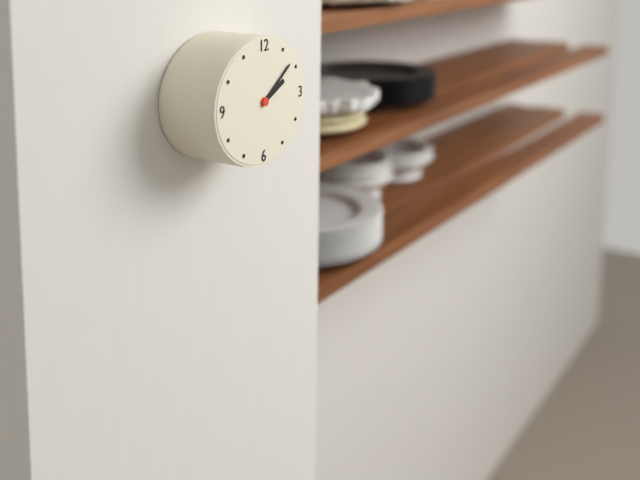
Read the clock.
2:09
